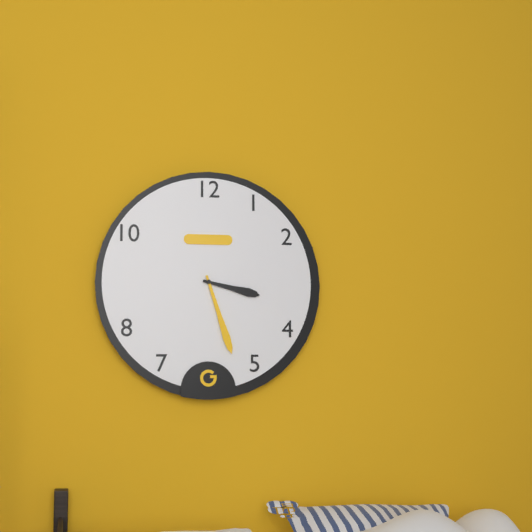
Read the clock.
3:27
